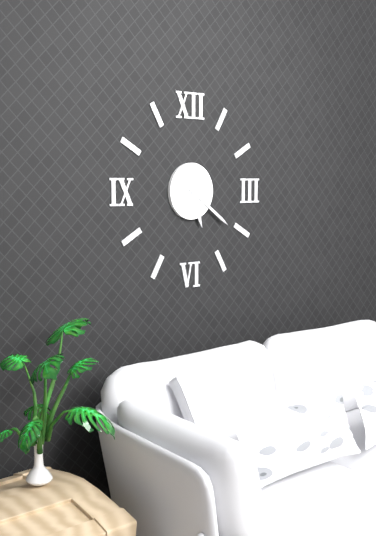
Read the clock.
5:21
